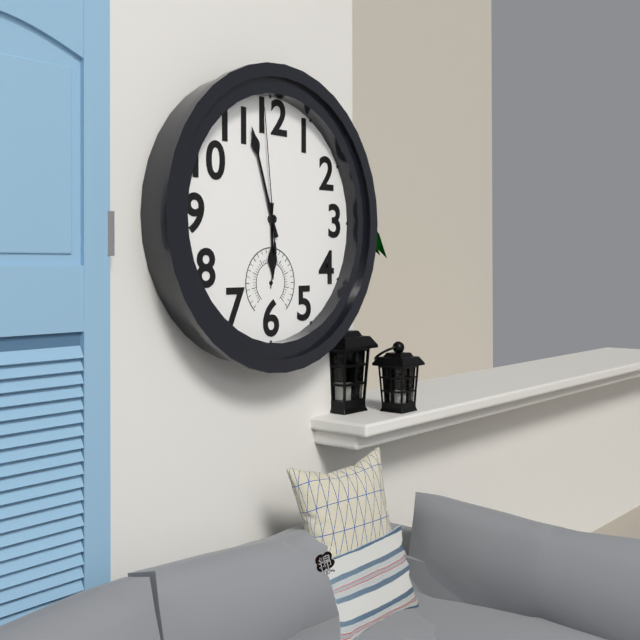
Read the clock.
5:57:59
